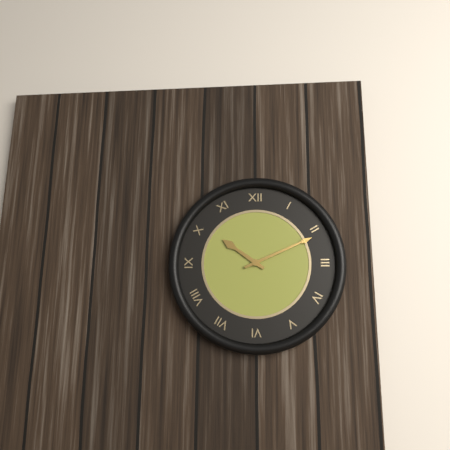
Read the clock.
10:11
